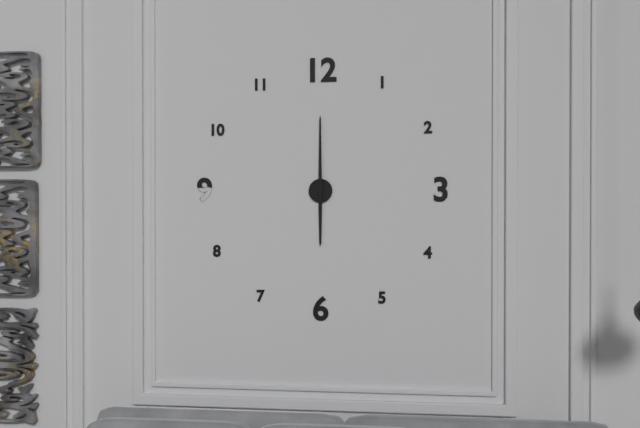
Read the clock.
6:00
